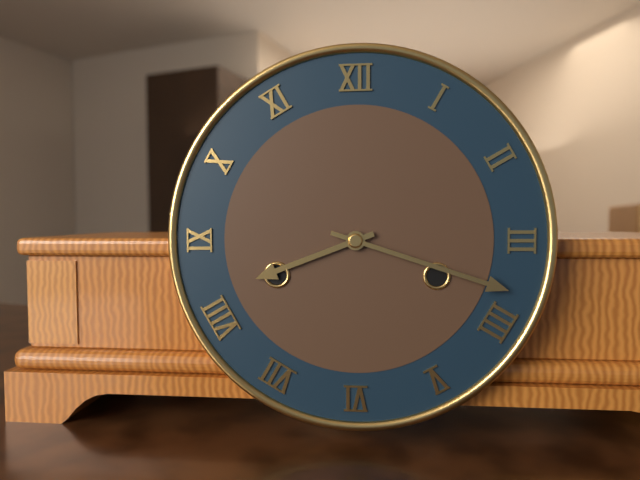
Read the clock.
8:18
